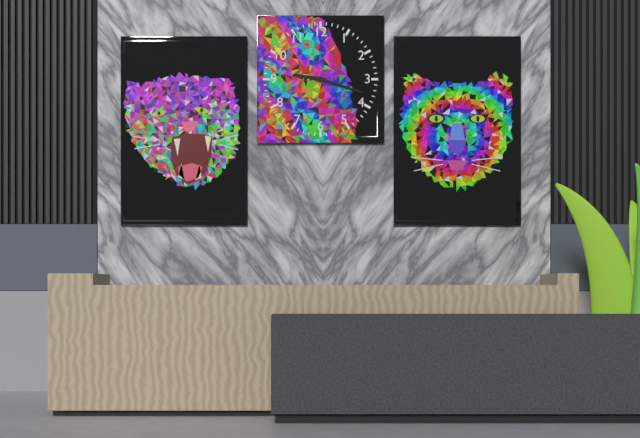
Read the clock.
9:18
